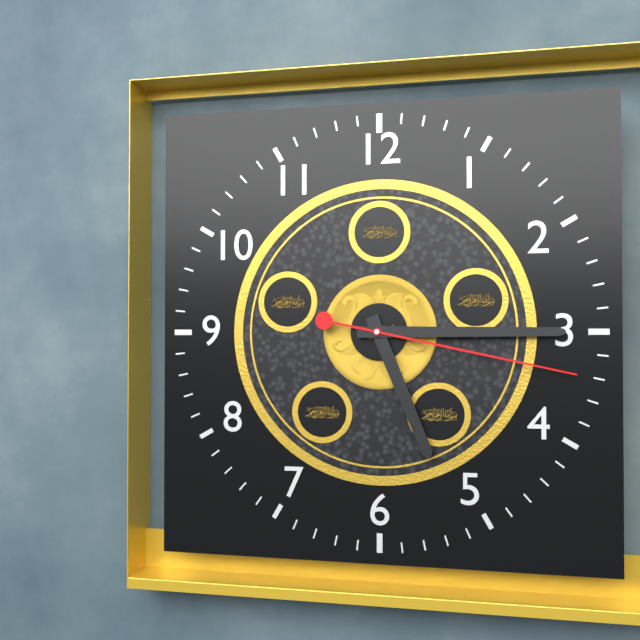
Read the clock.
5:15:17
